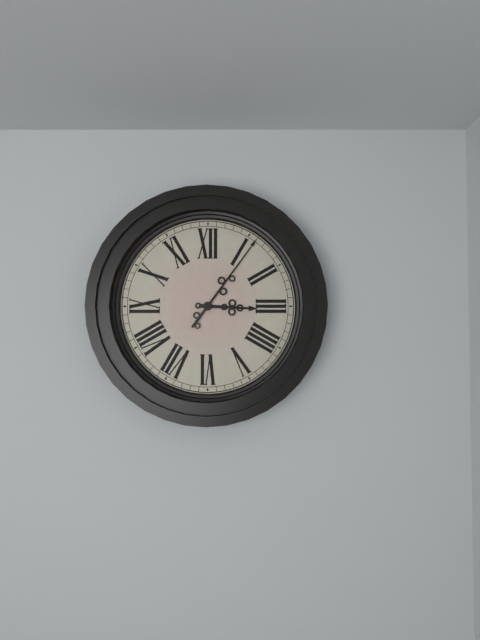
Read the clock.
3:06
